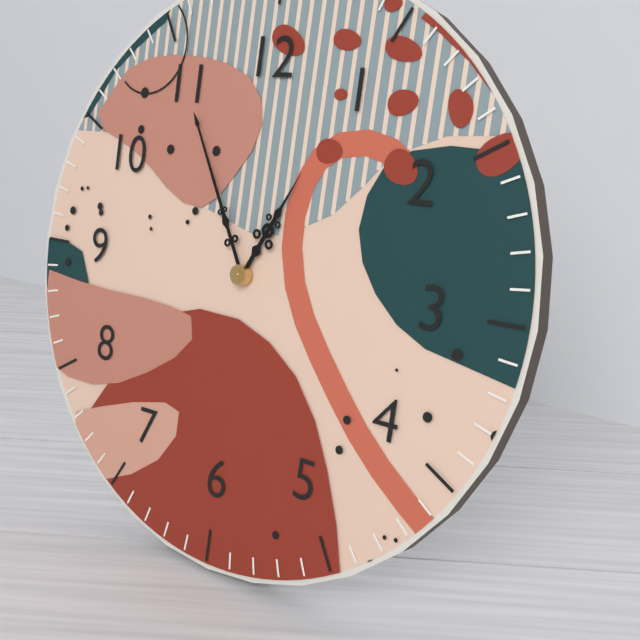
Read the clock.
12:55
